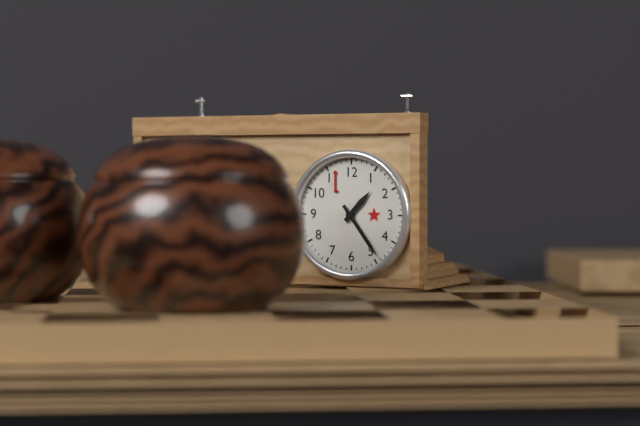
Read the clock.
1:24
